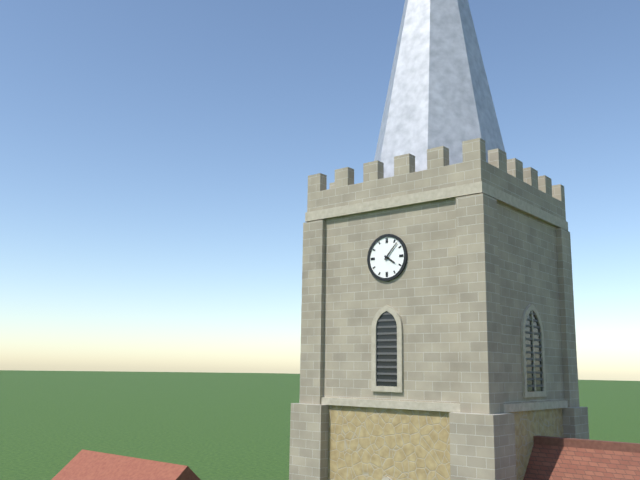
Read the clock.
4:07
